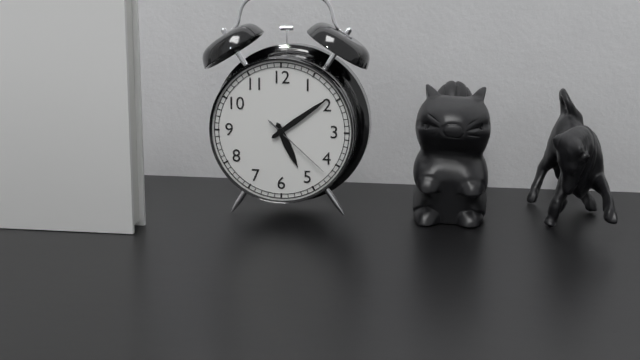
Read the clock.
5:09:22
